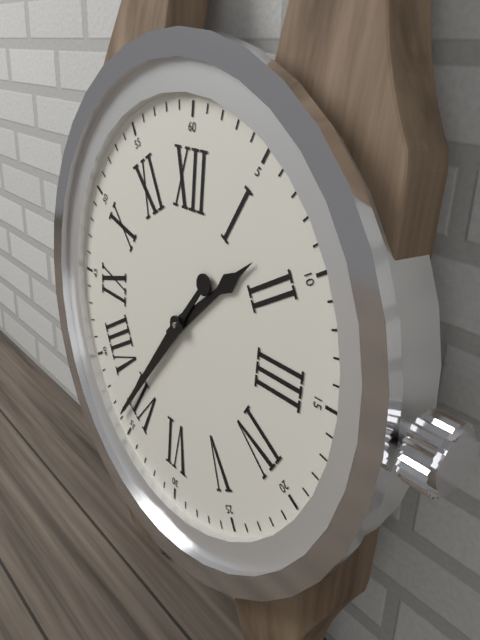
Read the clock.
1:36
